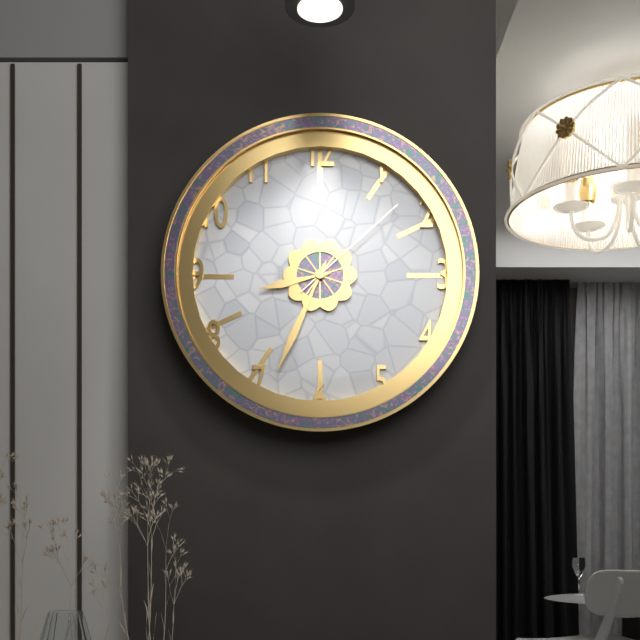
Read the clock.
8:34:08
